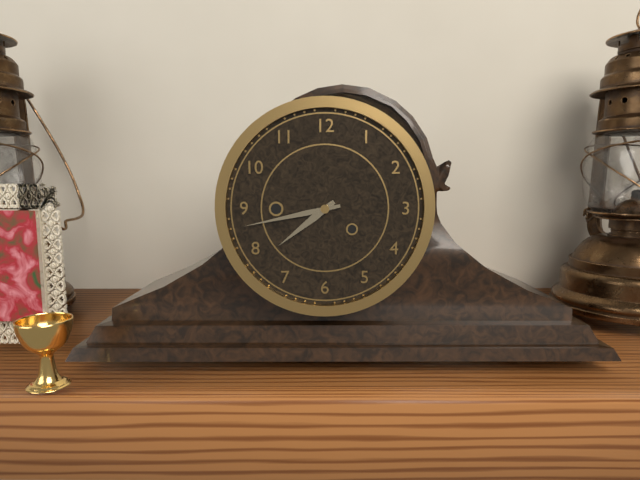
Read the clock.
7:43
